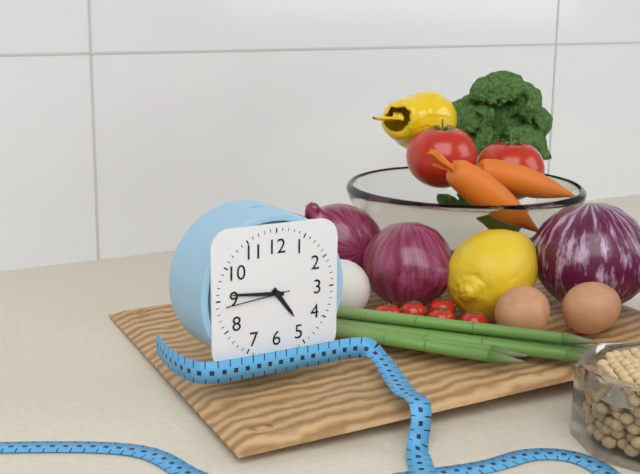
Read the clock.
4:46:44
